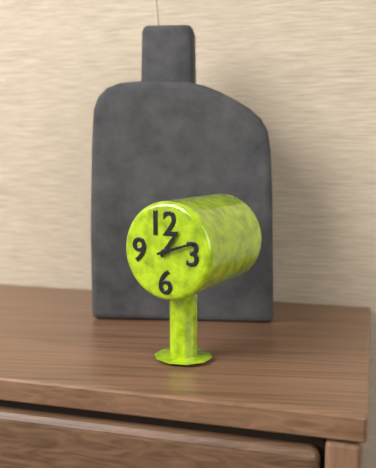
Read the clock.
1:12
